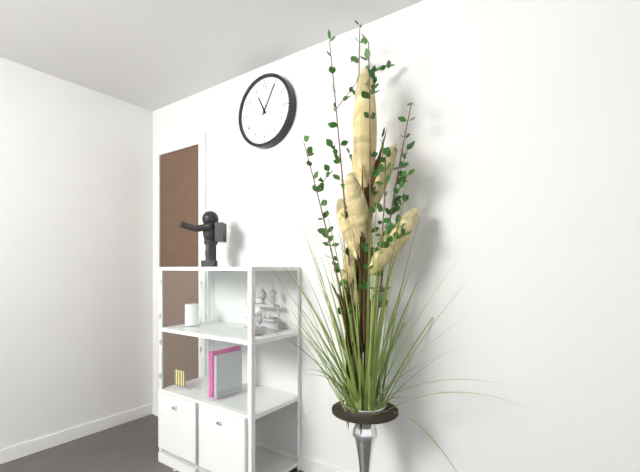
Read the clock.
11:05
